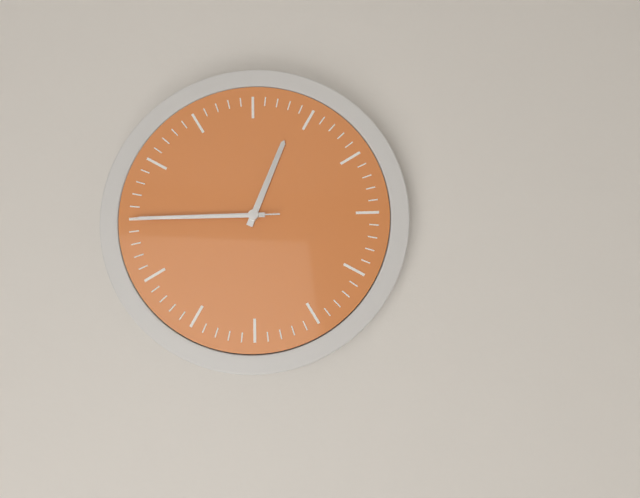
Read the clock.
12:45:45
